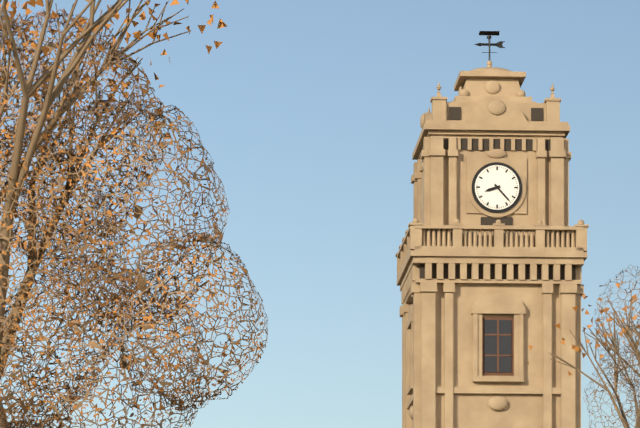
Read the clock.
8:23
